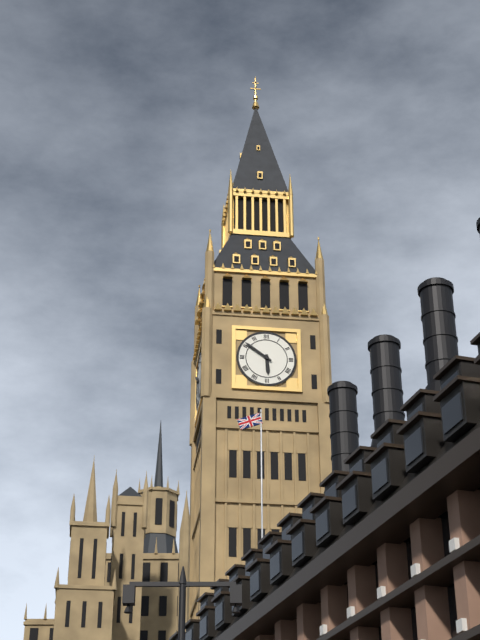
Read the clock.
5:51
